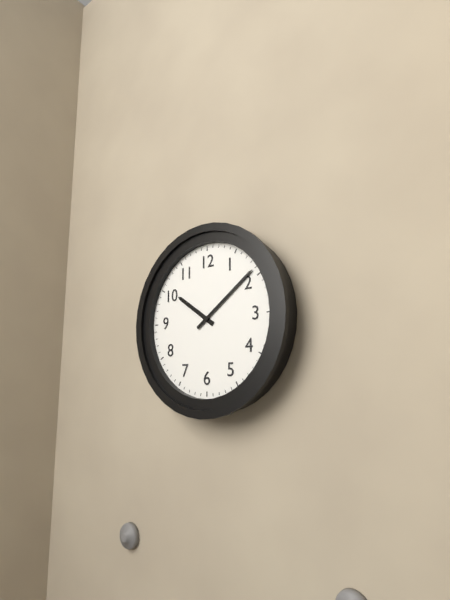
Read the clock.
10:09
